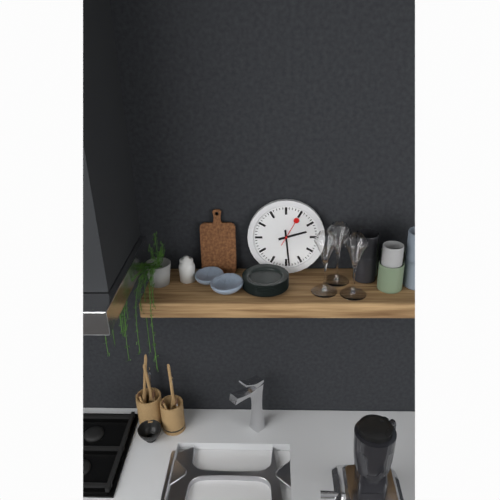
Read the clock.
2:29
